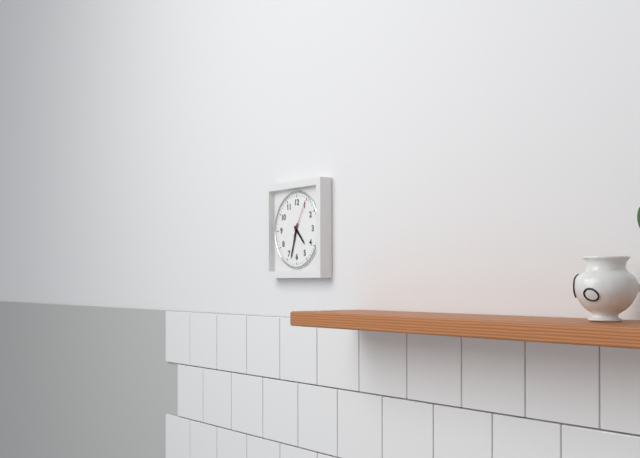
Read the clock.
4:33
